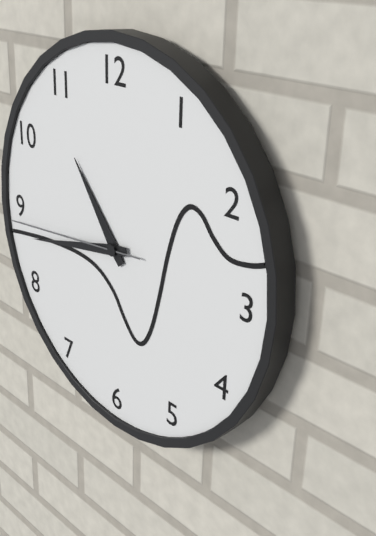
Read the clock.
10:43:44
